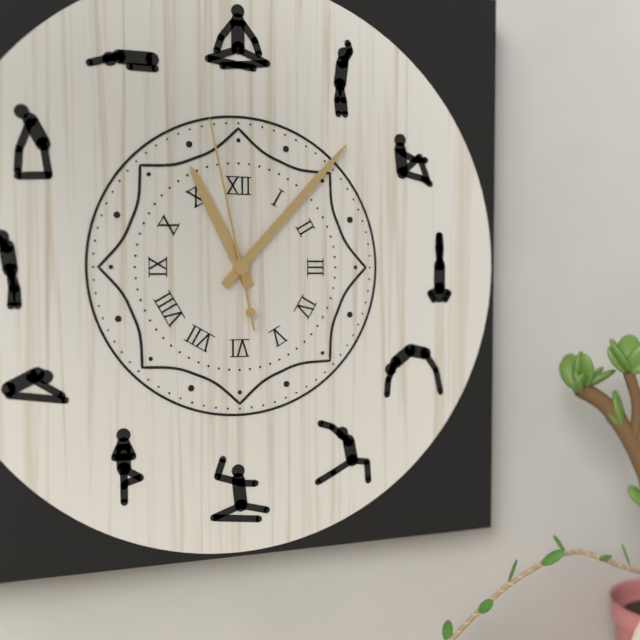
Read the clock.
11:07:58
